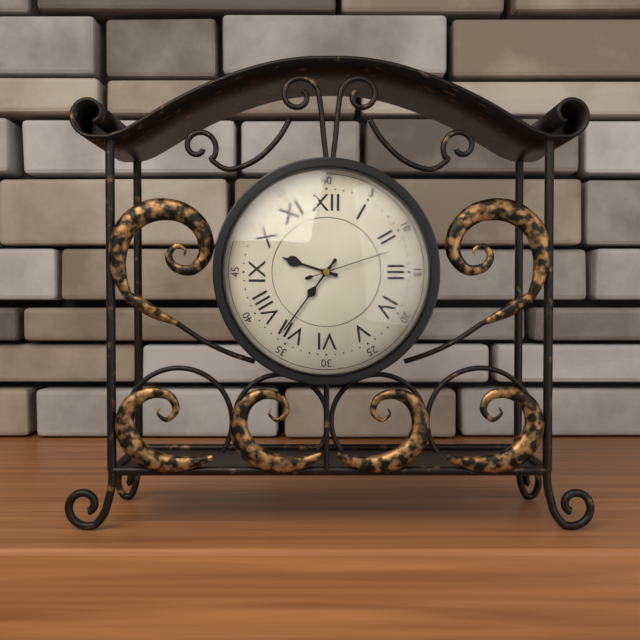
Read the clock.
9:36:12
